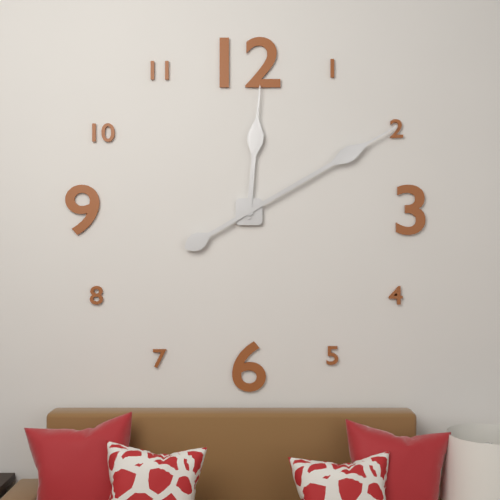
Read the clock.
12:10
